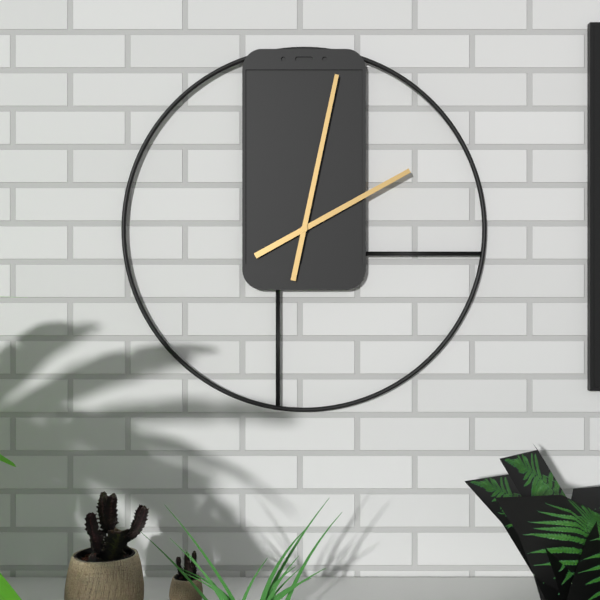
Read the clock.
2:02
